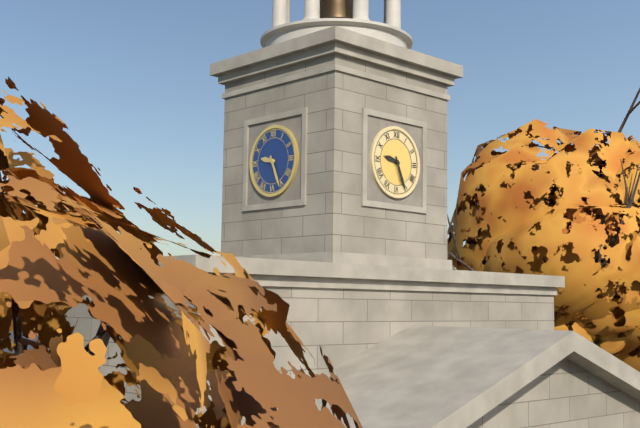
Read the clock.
9:26
